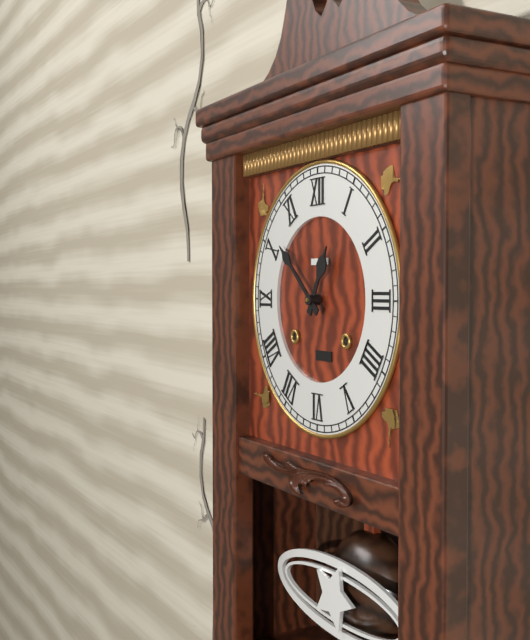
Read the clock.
12:52
